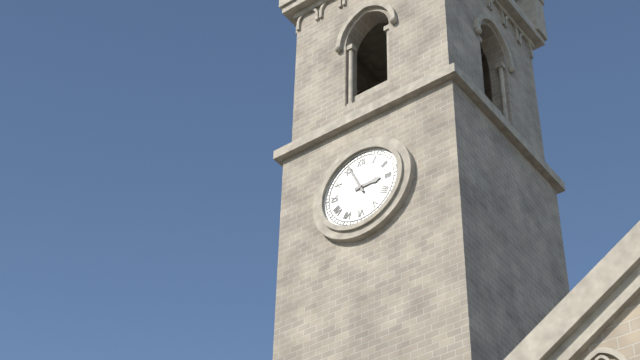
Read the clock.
2:56
